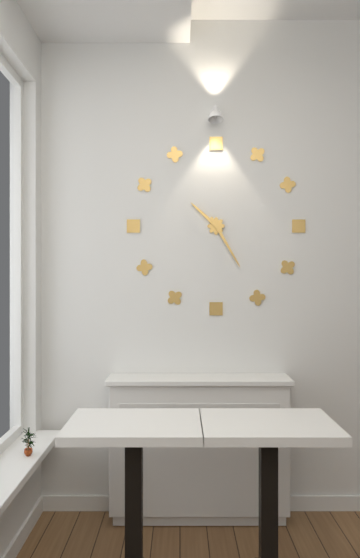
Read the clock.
10:25
